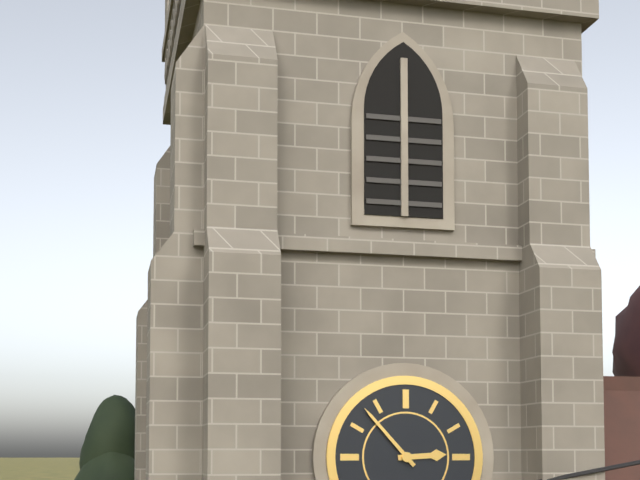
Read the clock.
2:53
